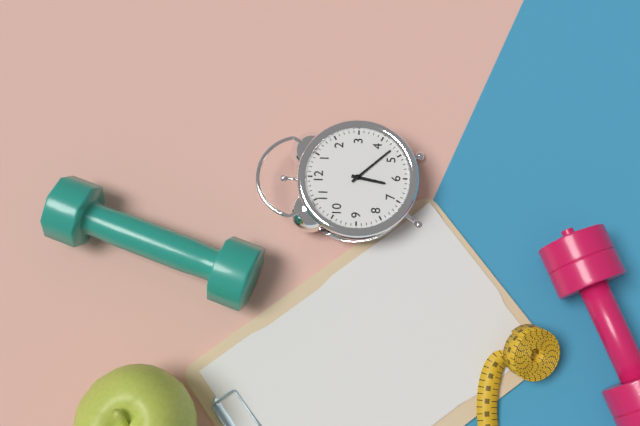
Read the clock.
6:23
